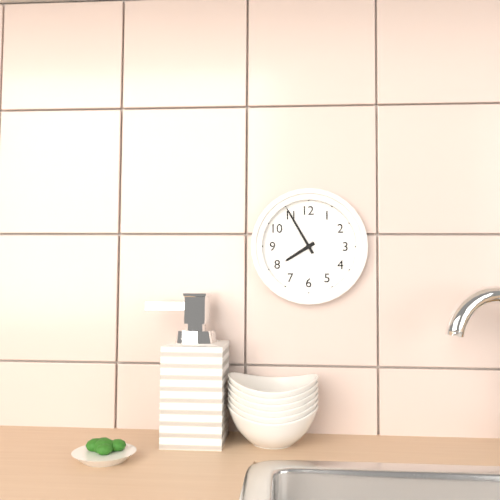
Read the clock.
7:55
